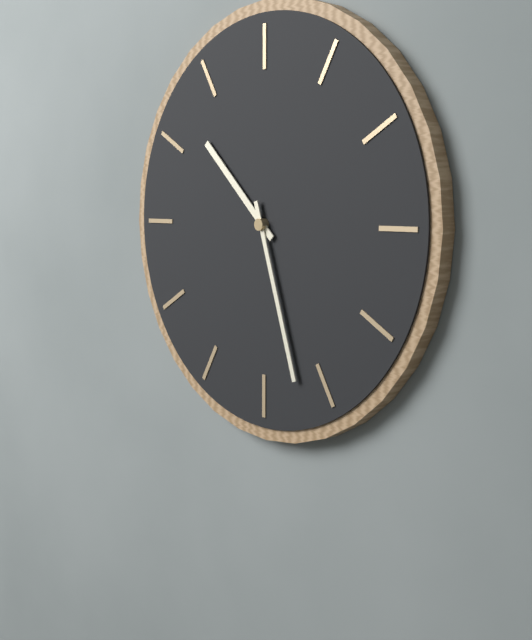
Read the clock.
10:27
